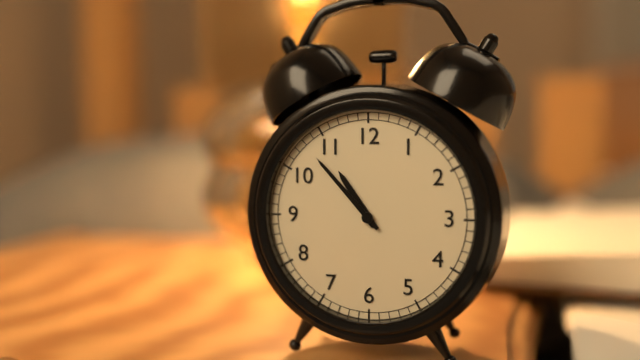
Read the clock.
10:53
